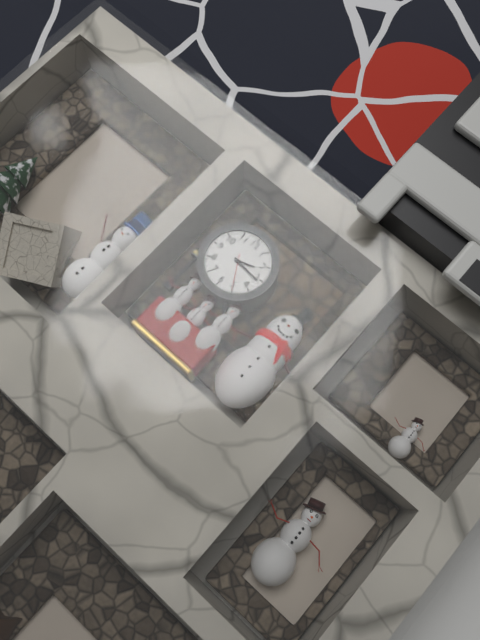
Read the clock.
2:16
